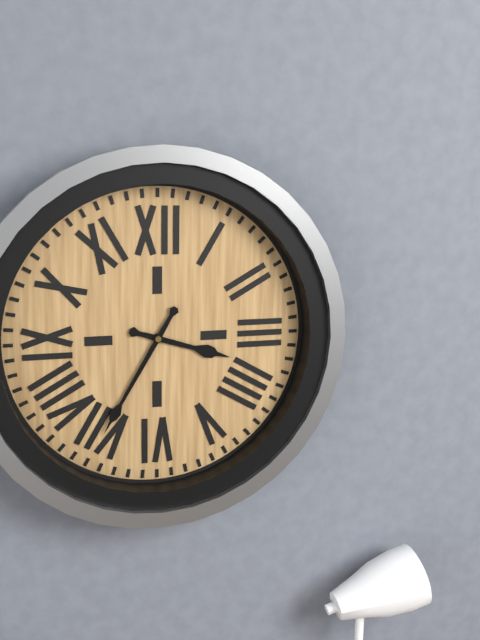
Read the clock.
3:35
